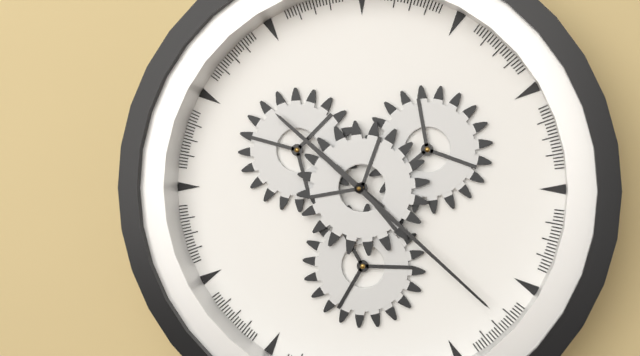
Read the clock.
10:22
